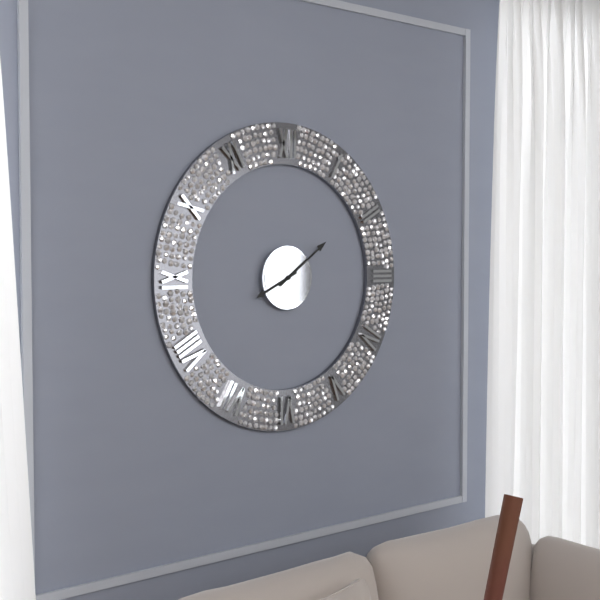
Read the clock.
8:09
